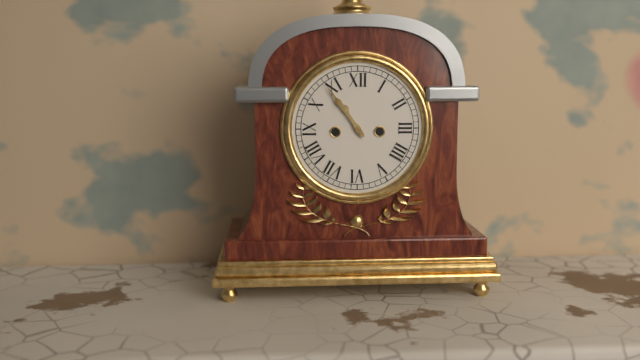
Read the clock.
10:54
